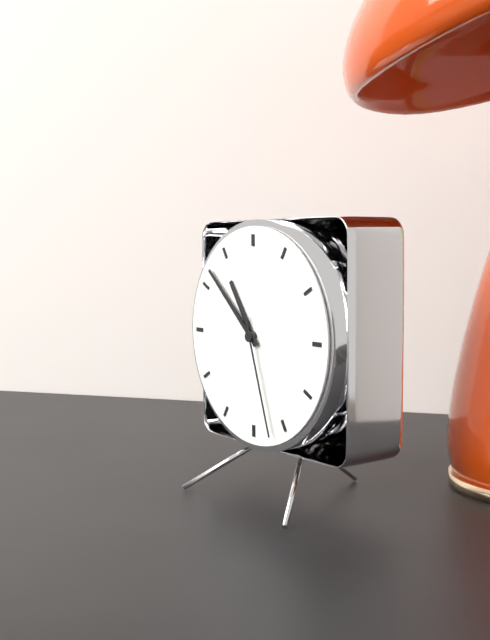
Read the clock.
10:52:27
